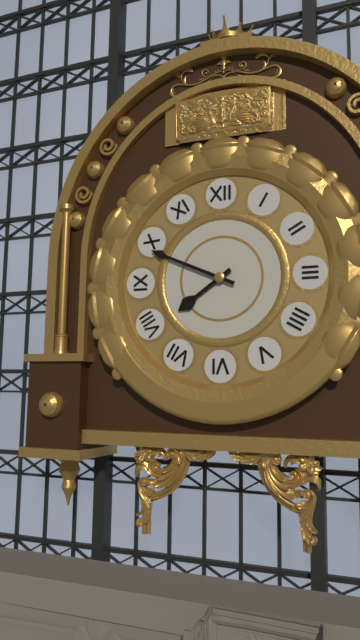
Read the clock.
7:49
